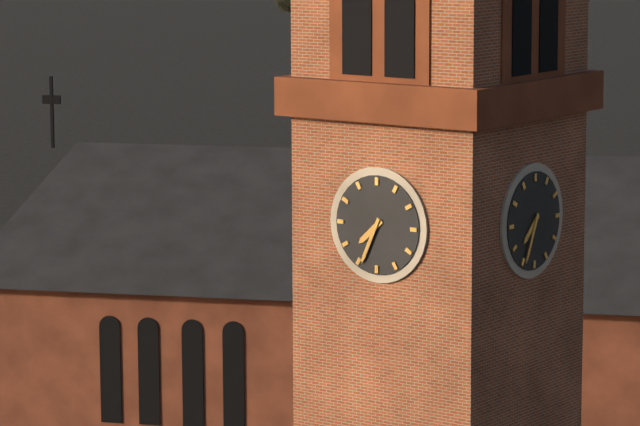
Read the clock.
7:34
